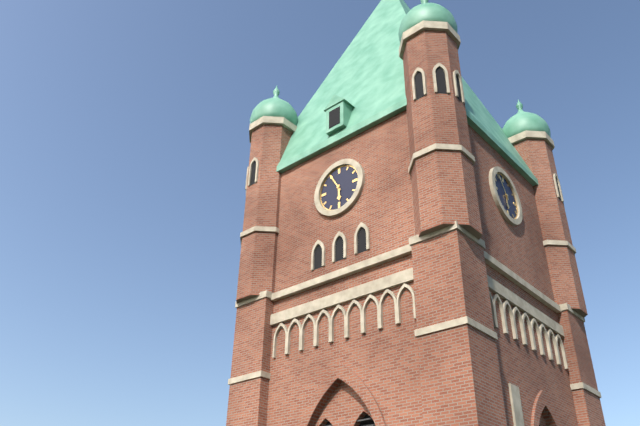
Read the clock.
5:55
